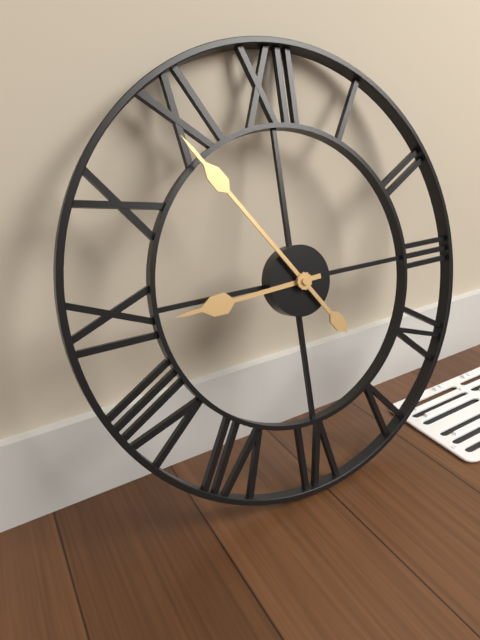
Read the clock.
8:54
